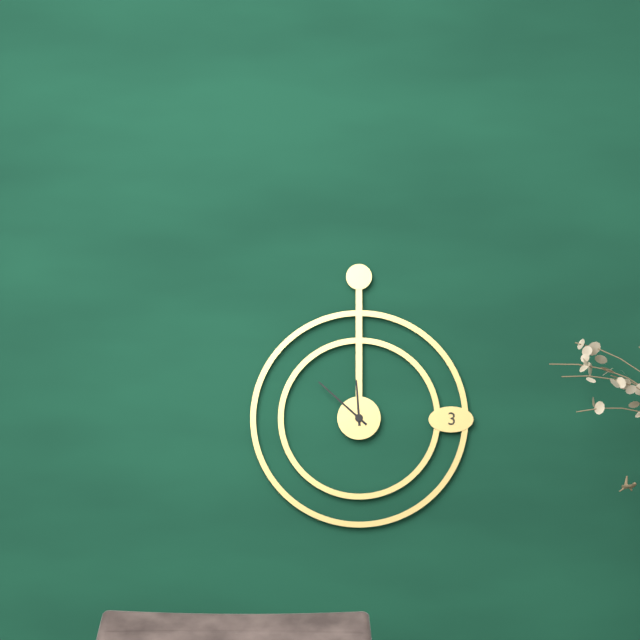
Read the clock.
11:52
